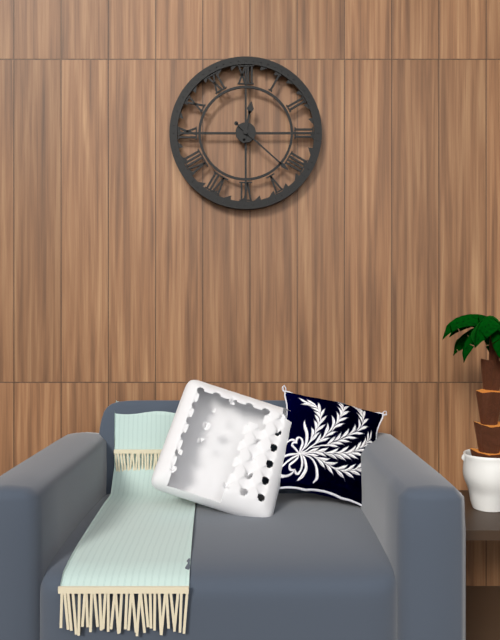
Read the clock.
12:22
